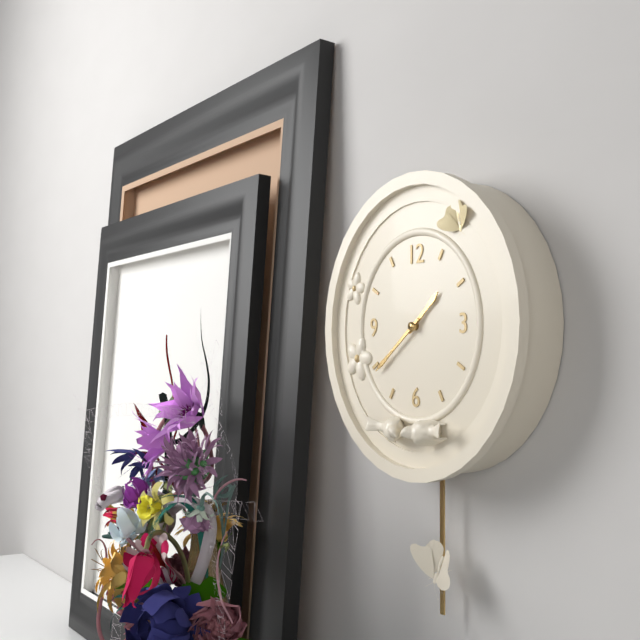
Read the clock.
1:39
